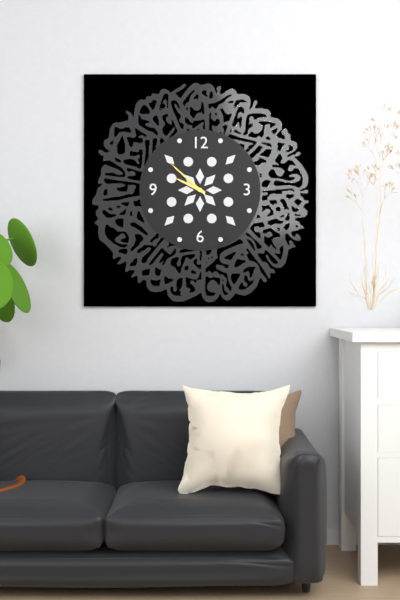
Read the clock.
9:52
